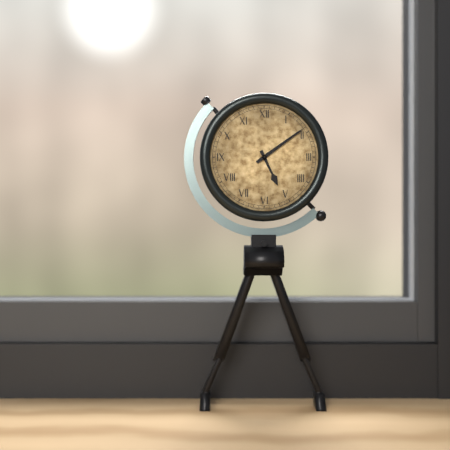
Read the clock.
5:09
